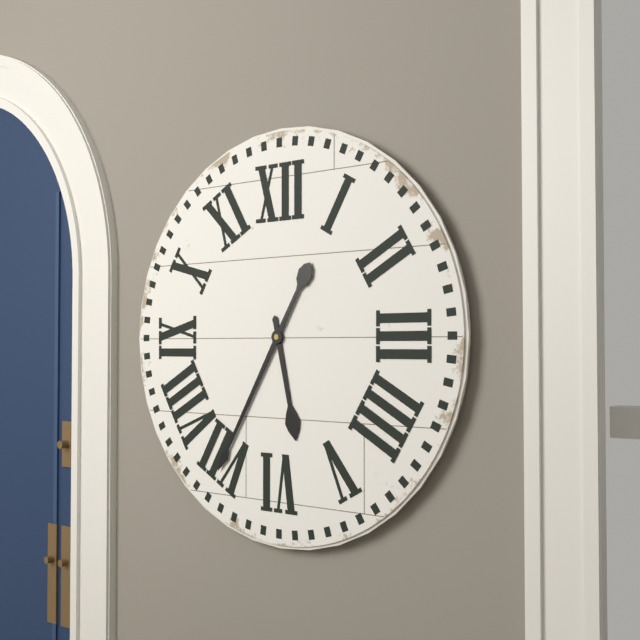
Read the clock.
5:35
